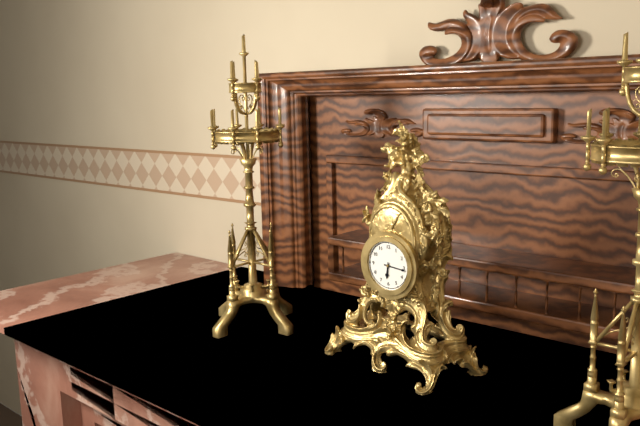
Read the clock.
6:16
